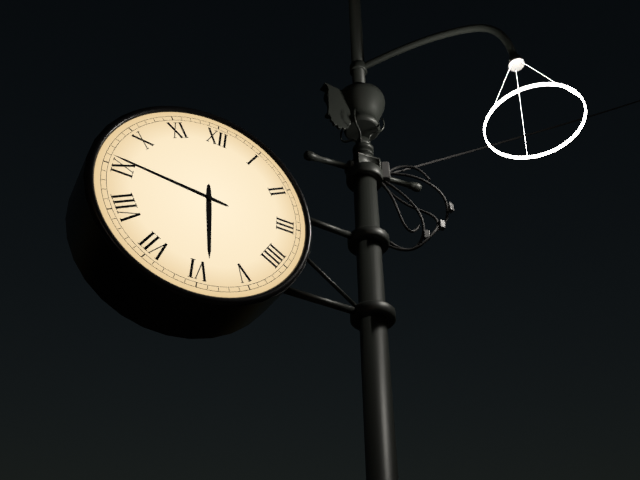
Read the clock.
5:46
